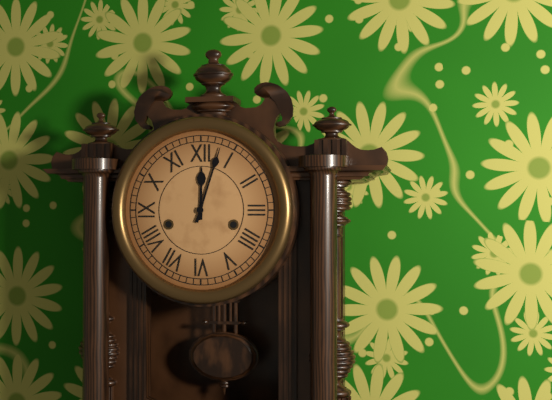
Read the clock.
12:03
